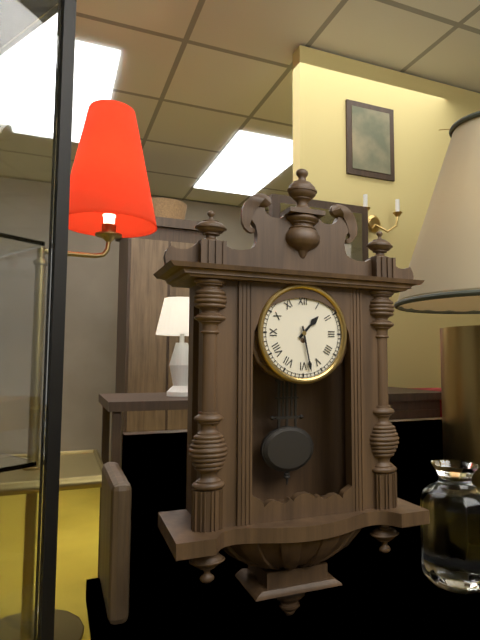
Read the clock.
1:28
